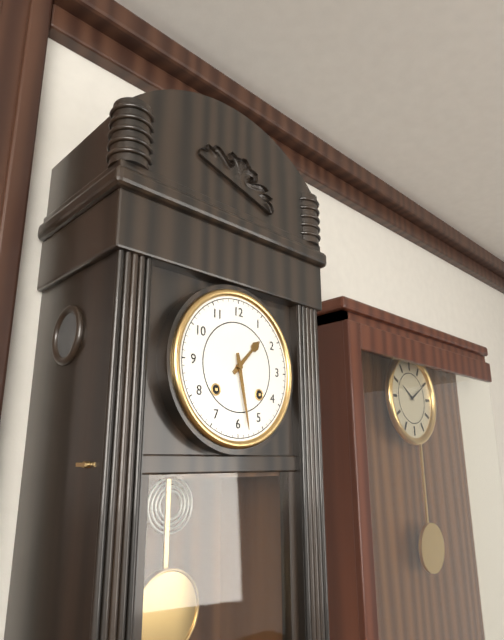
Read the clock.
1:28
